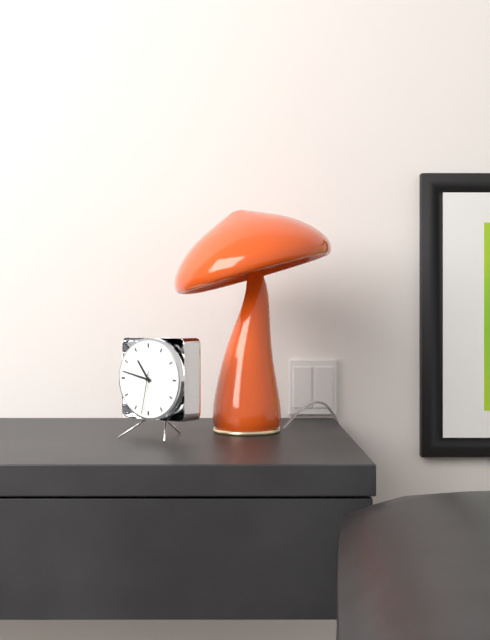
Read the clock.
10:47
